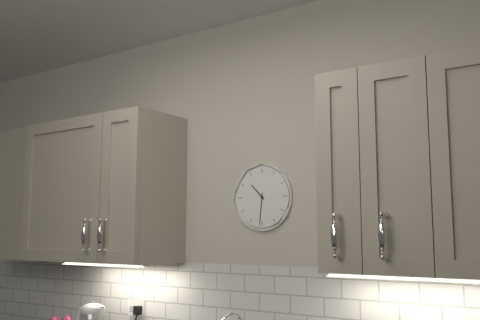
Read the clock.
10:31
